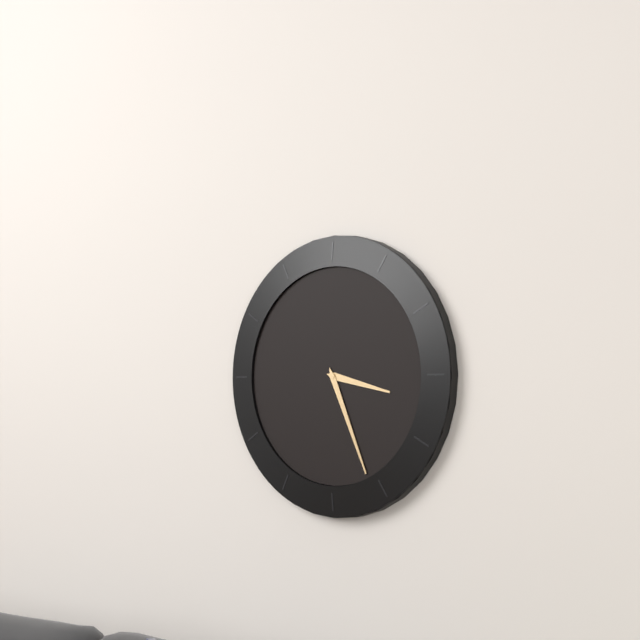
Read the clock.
3:26
